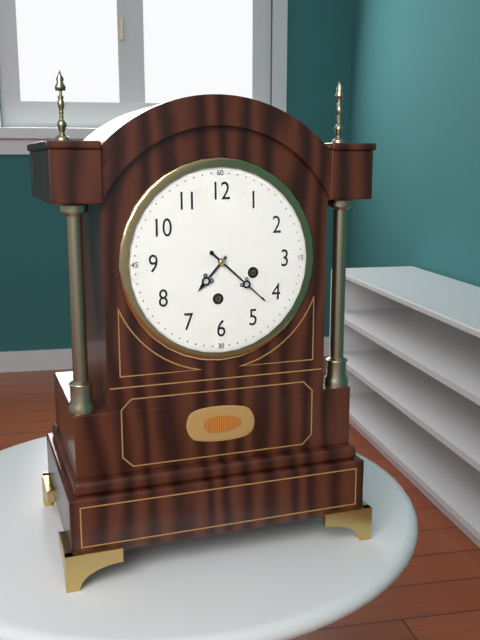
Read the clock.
7:22
